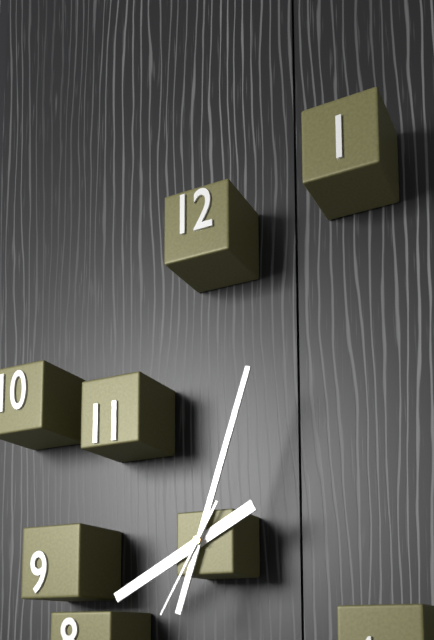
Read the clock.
8:03:35
